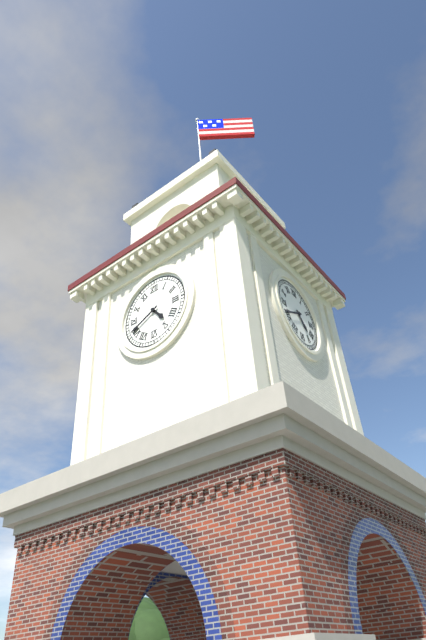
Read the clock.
4:41
